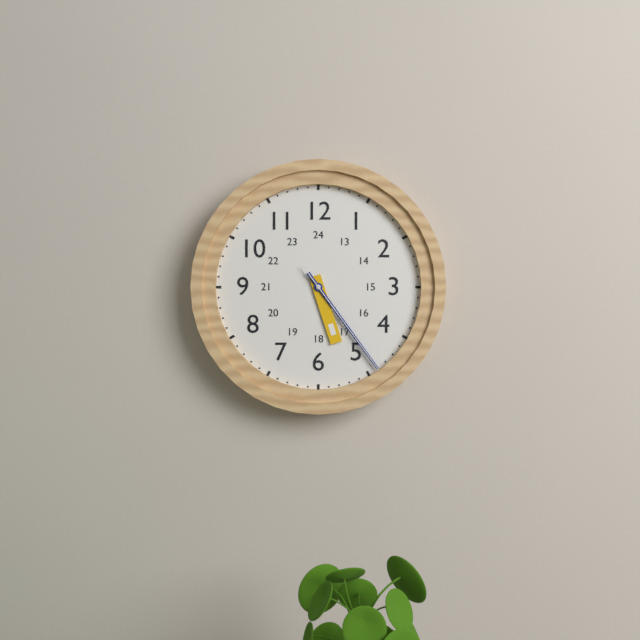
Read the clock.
5:24:24
